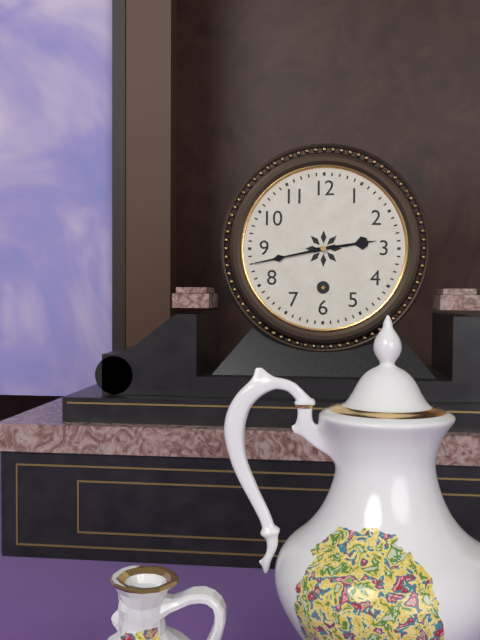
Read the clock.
2:43
